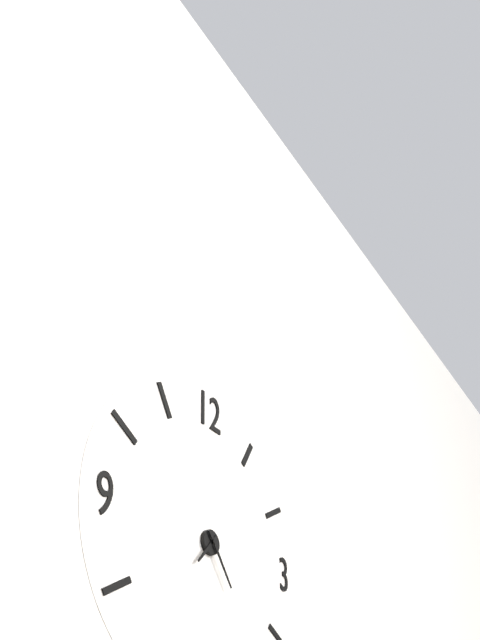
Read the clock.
7:24
